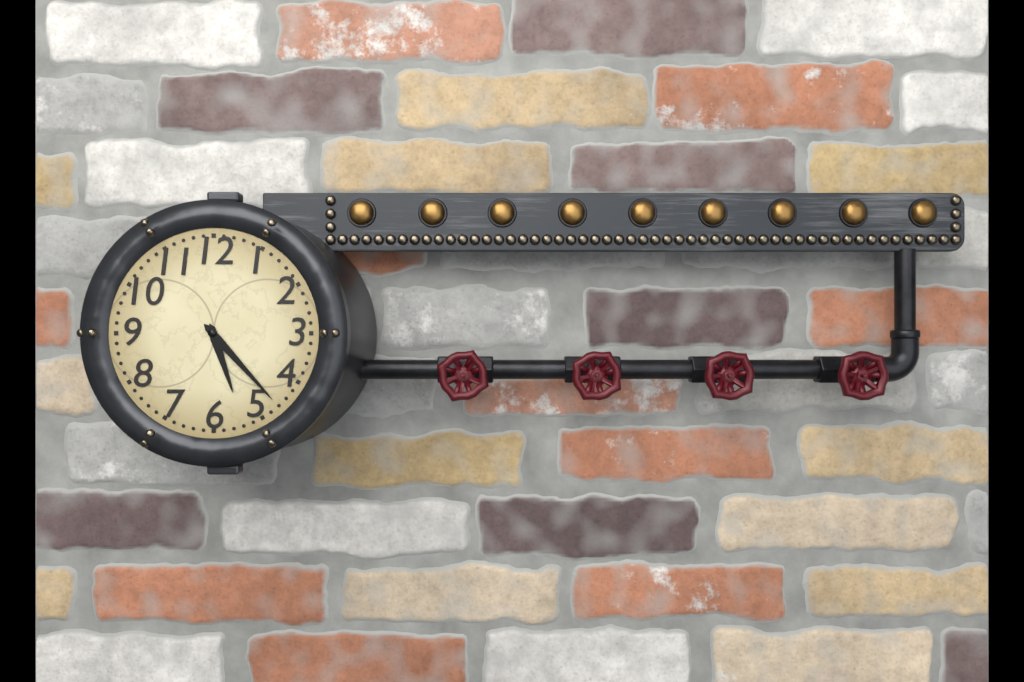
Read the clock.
5:23
